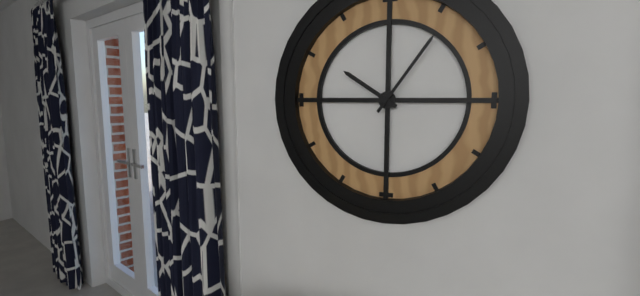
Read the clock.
10:06
